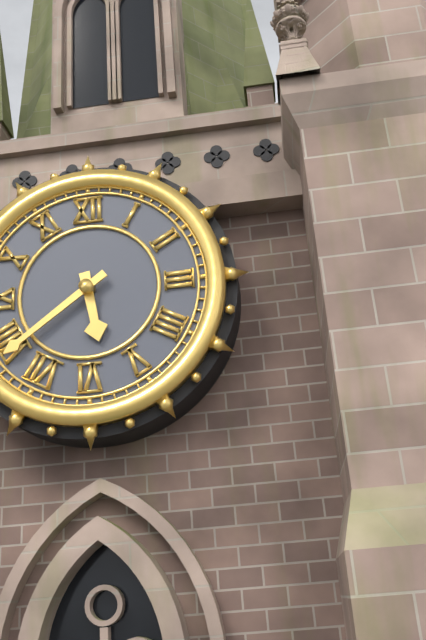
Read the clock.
5:39
